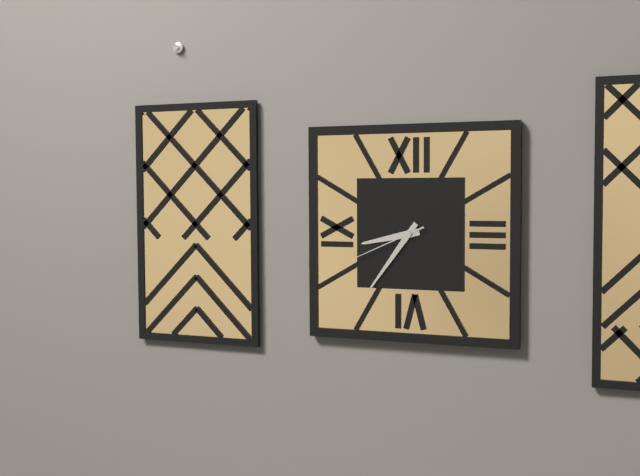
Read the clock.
8:36:41
